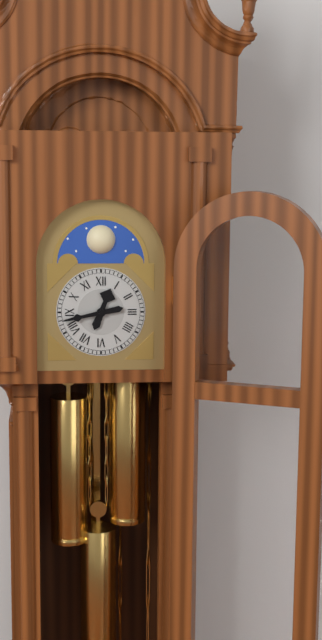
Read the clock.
12:43
